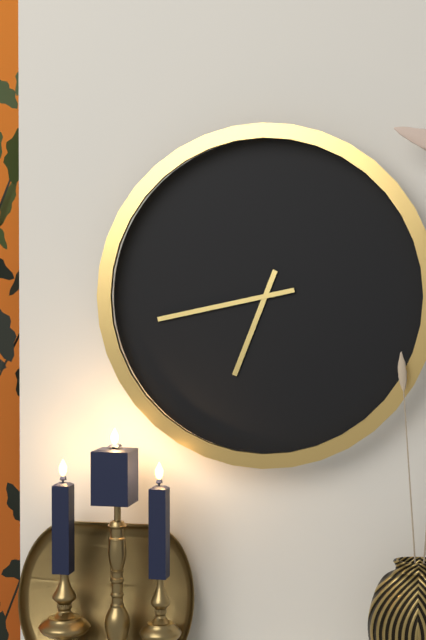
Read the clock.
6:43
